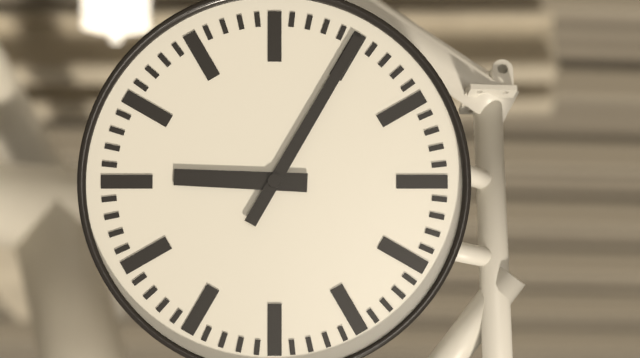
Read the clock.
9:05
